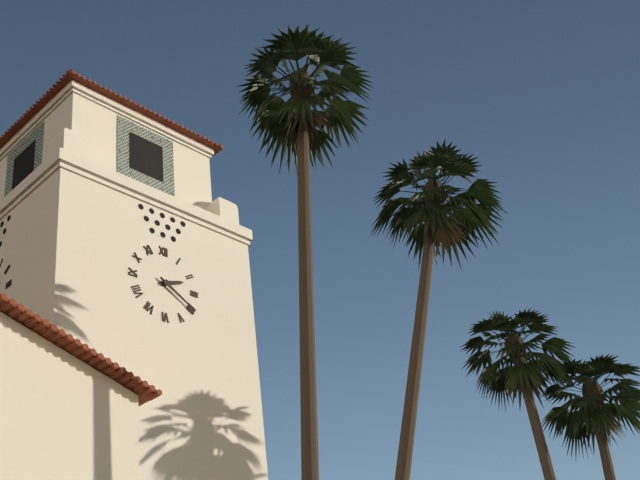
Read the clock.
2:20
